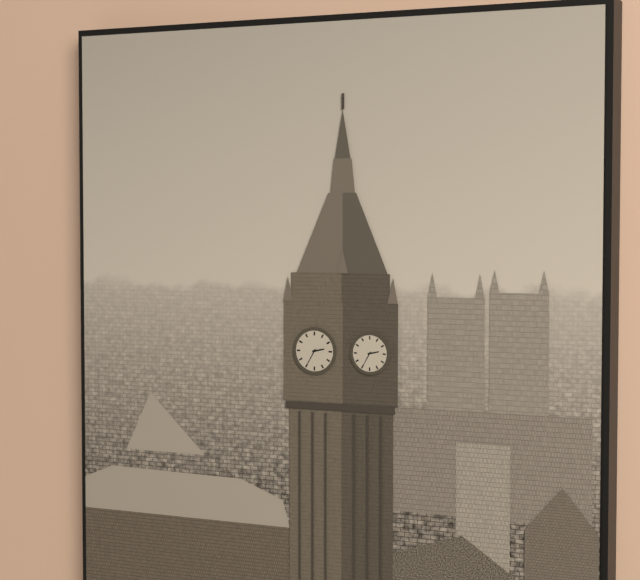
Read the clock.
2:35
